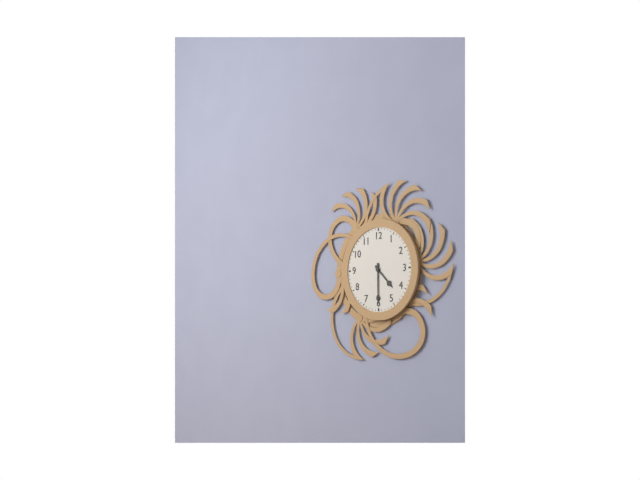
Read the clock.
4:30
